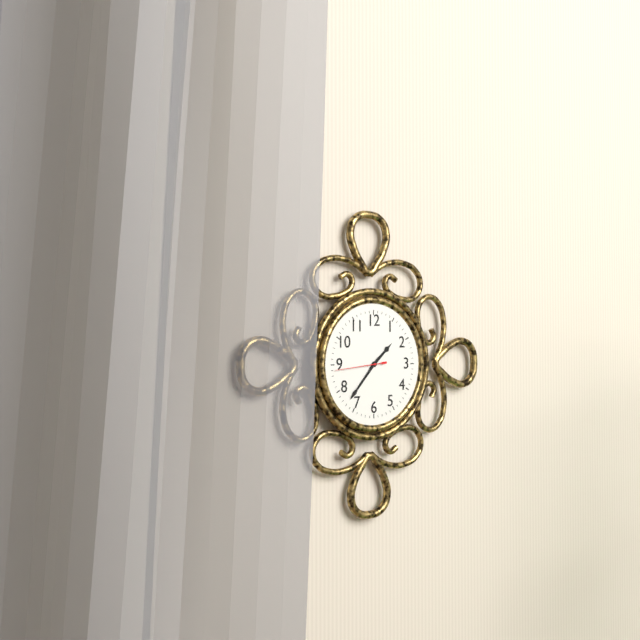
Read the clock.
1:37
